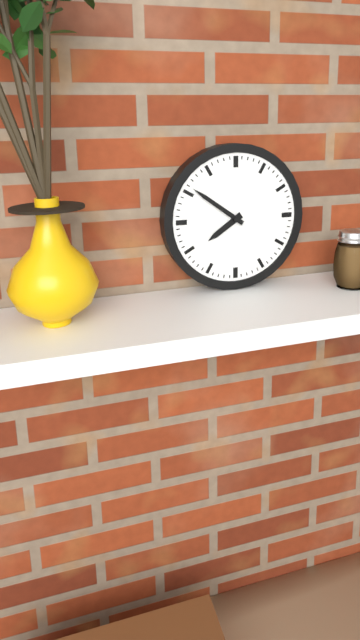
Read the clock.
7:51
